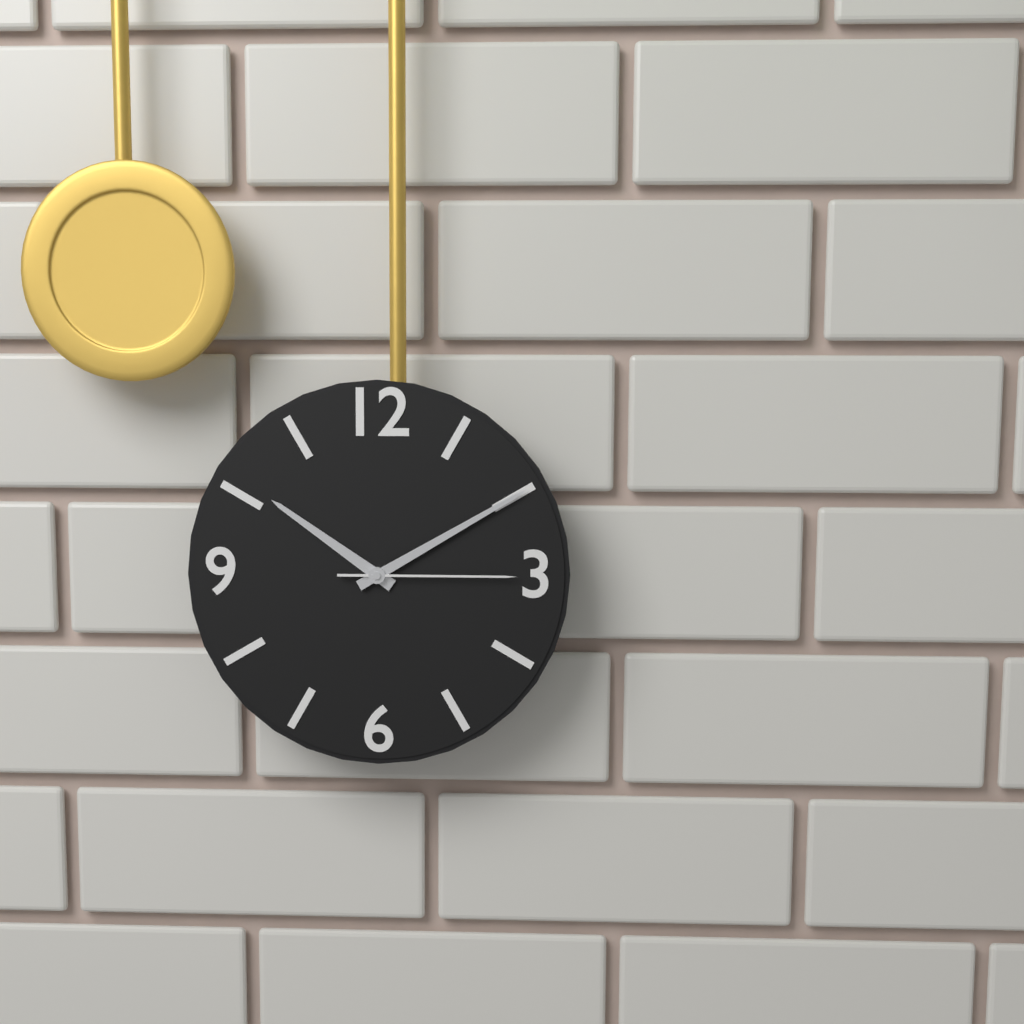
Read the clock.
10:10:15
